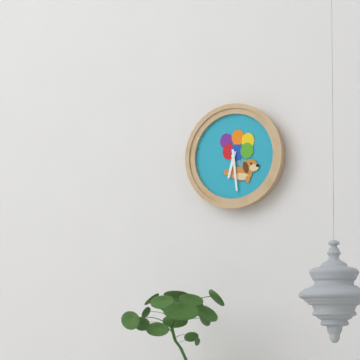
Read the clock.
6:29
